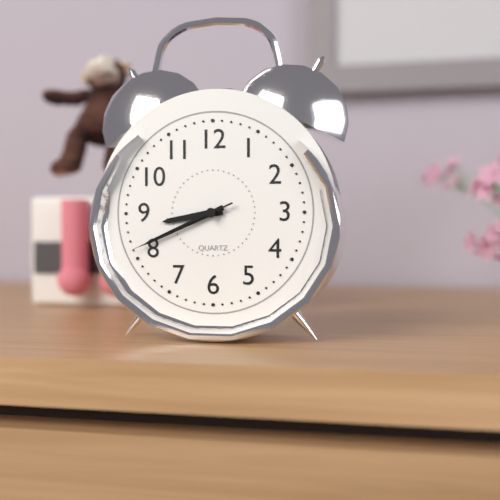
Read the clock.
8:41:41
